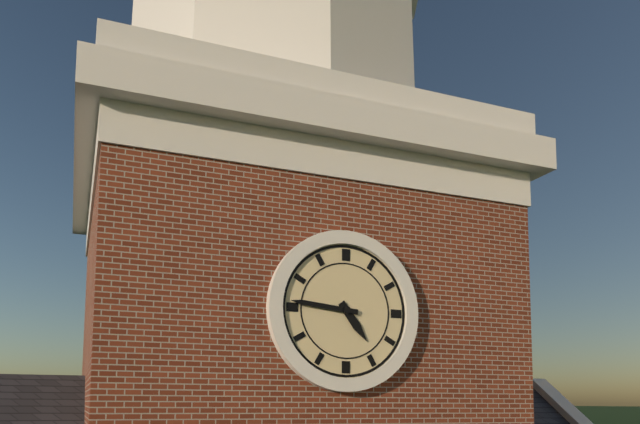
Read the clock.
4:46
